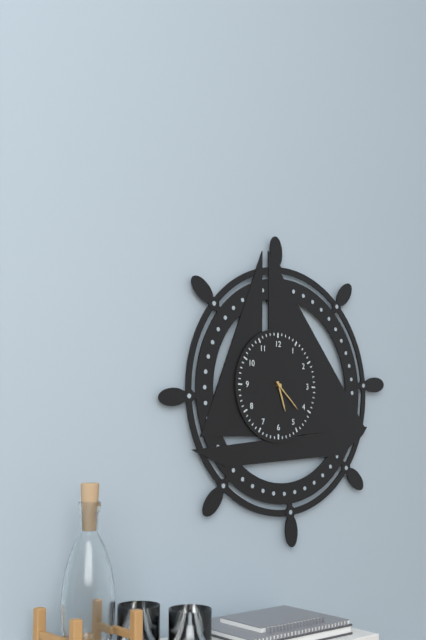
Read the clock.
5:22
